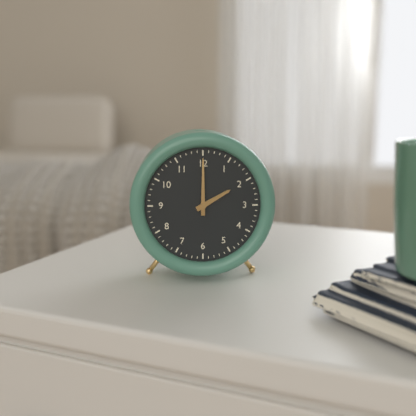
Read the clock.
2:00
